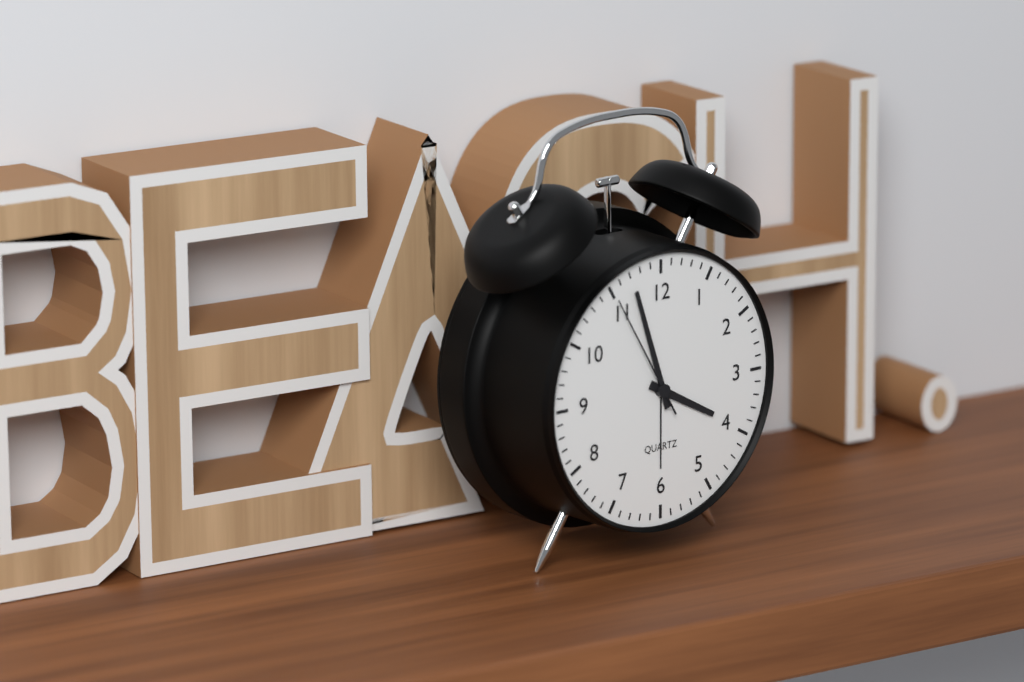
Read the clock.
3:57:55
